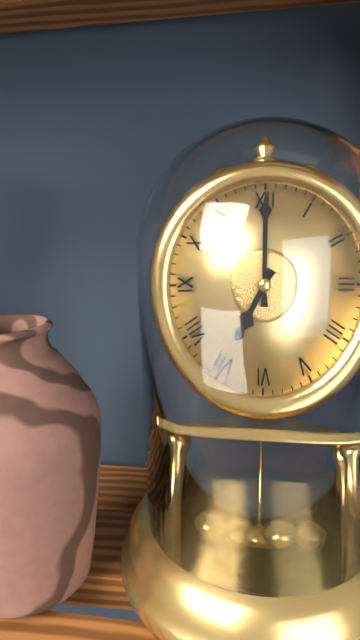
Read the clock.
7:00
